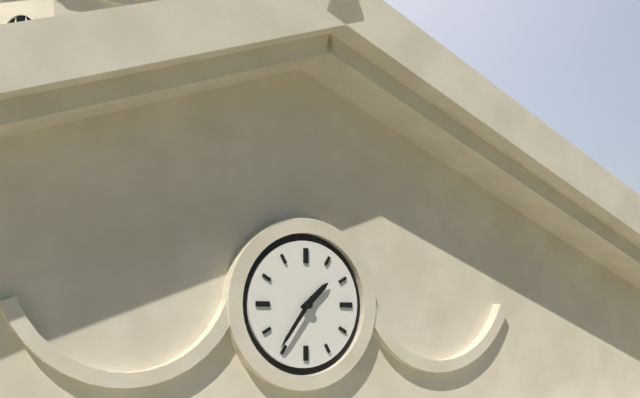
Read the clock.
1:36
